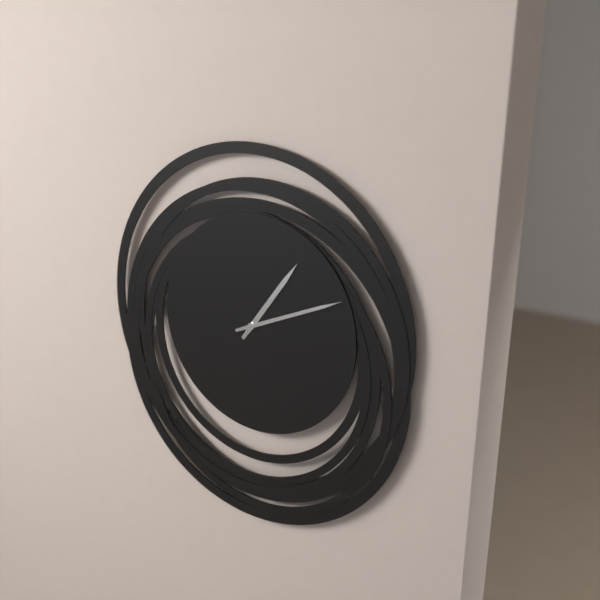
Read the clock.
1:11
